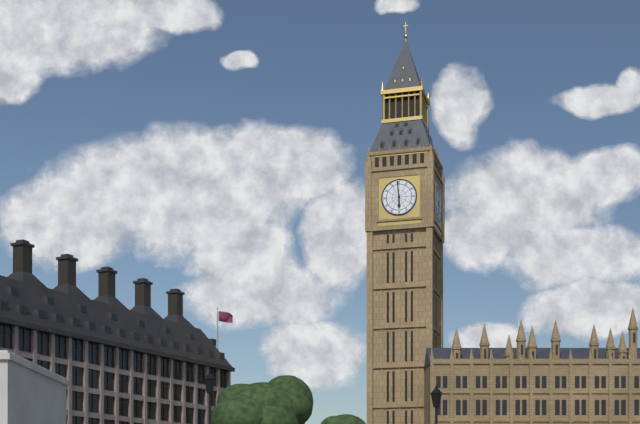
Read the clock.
5:59
